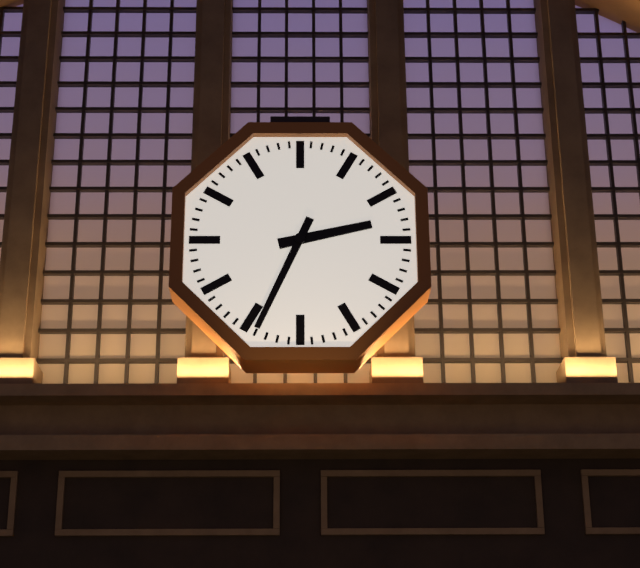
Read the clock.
2:34
